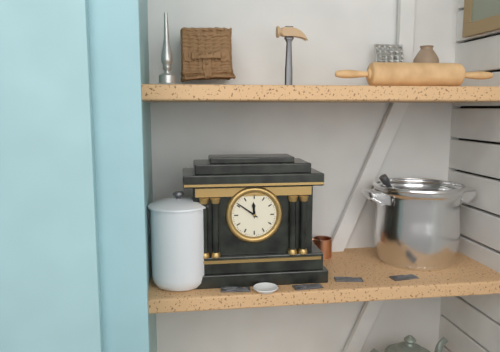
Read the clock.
11:51
